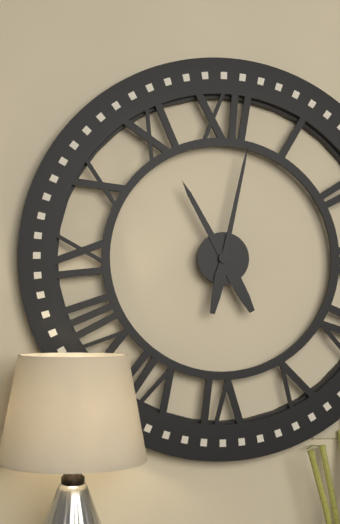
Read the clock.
11:02
